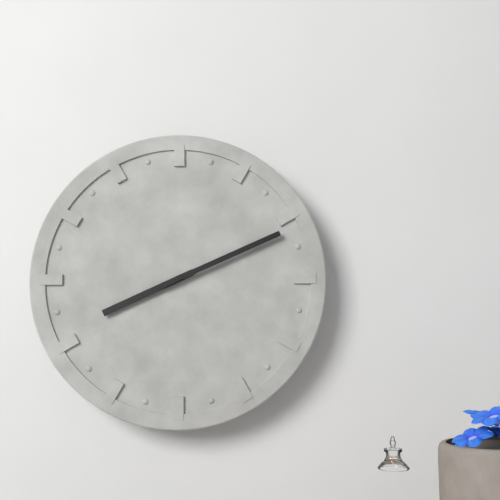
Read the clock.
8:11
